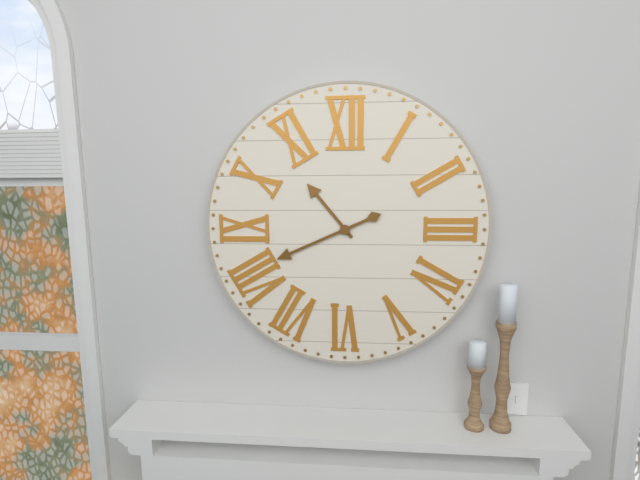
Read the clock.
10:41
